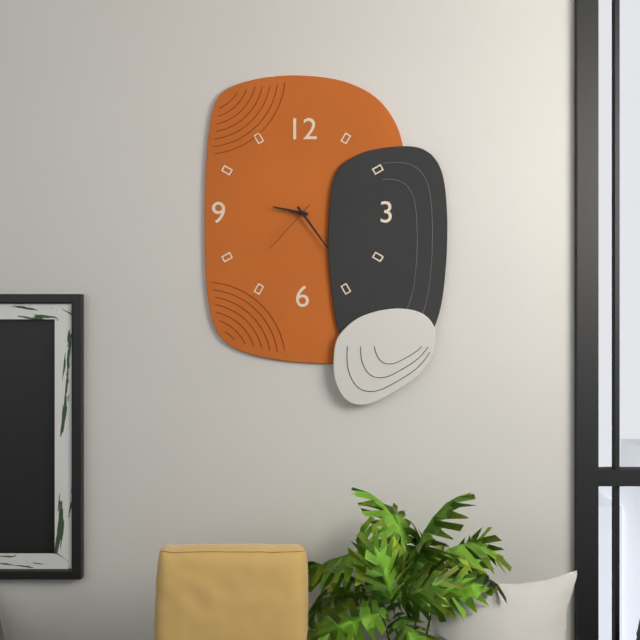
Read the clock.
9:24:37
